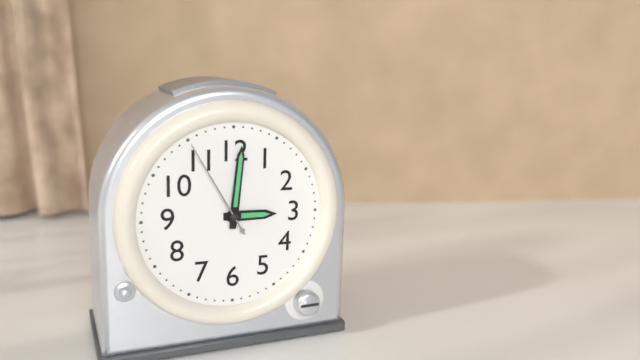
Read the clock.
3:01:55
